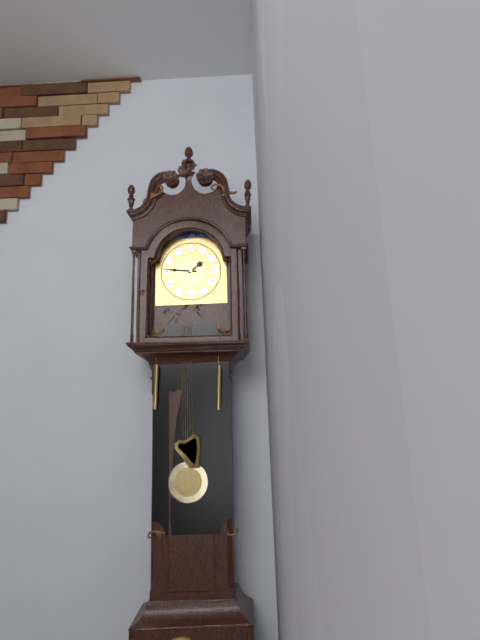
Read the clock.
1:46
